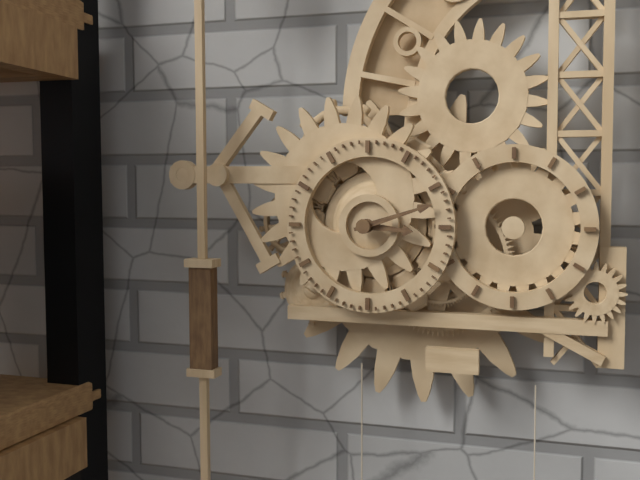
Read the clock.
3:12
